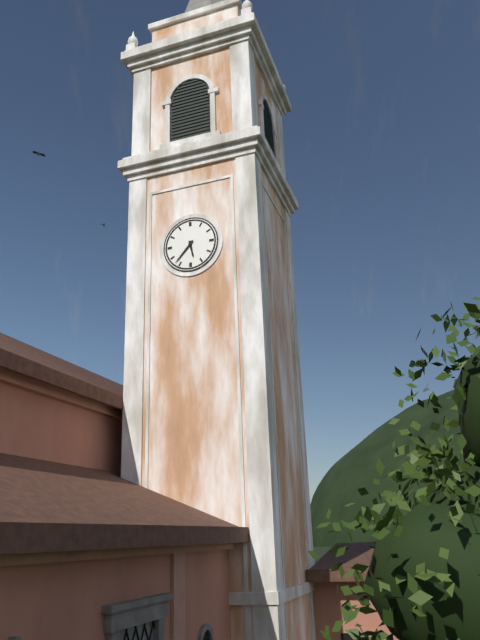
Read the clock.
5:37
